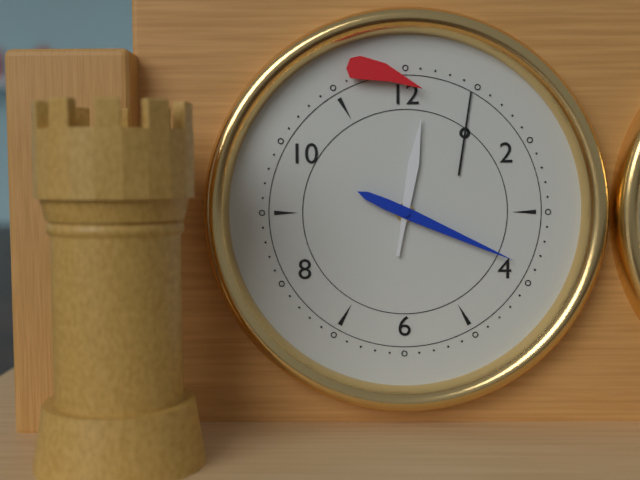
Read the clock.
12:19
